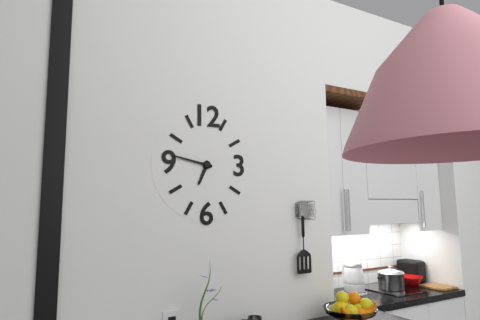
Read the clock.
6:47
